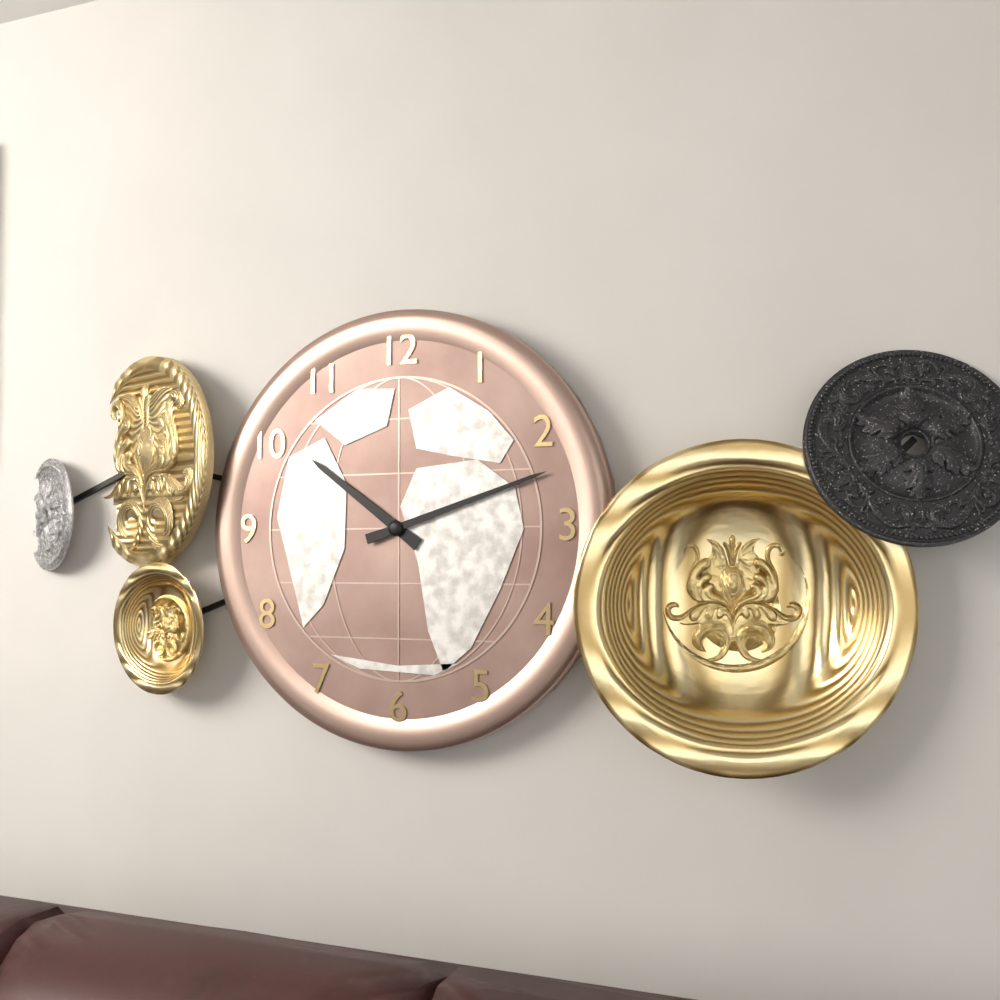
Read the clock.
10:12
